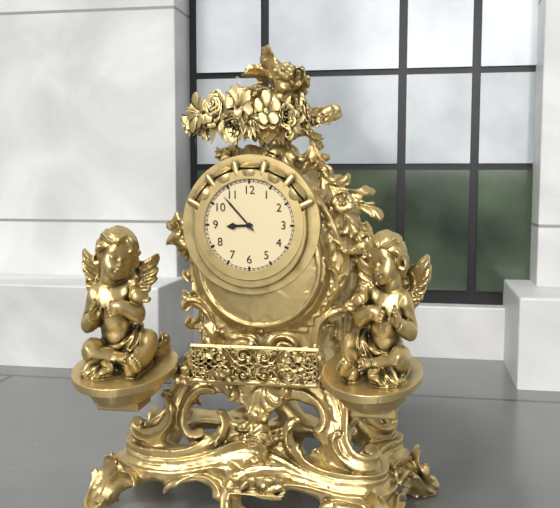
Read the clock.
8:53
